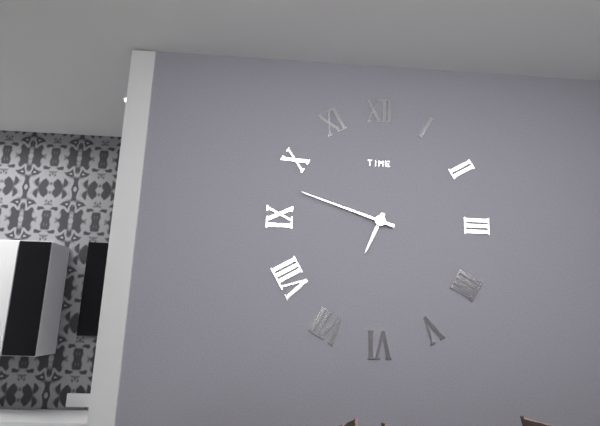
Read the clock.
6:48
